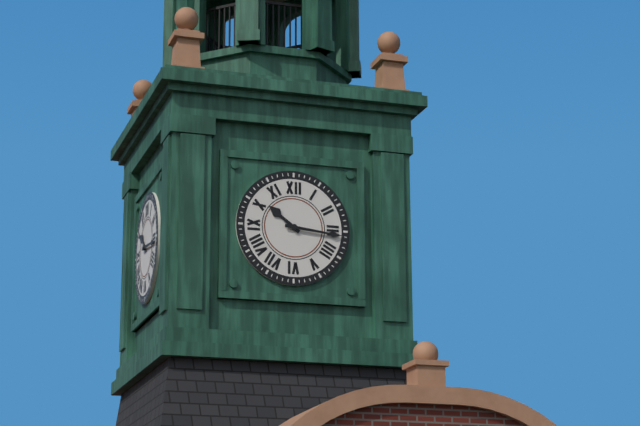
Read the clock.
10:16
